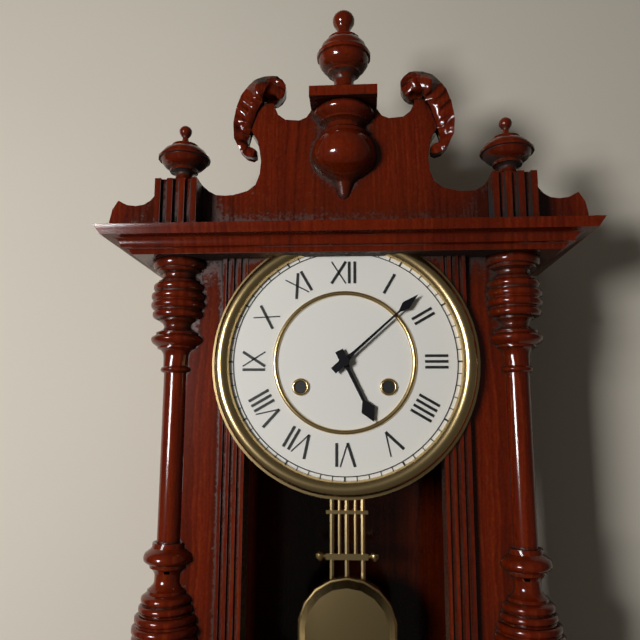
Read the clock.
5:08
